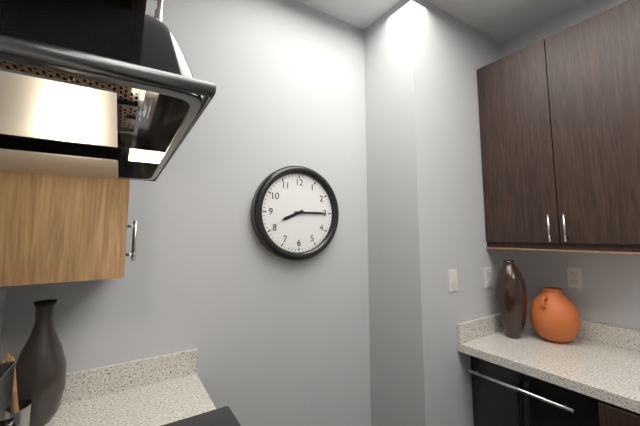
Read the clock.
8:15
